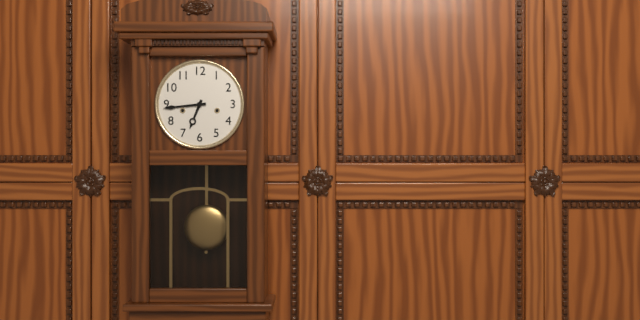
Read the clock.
6:44
